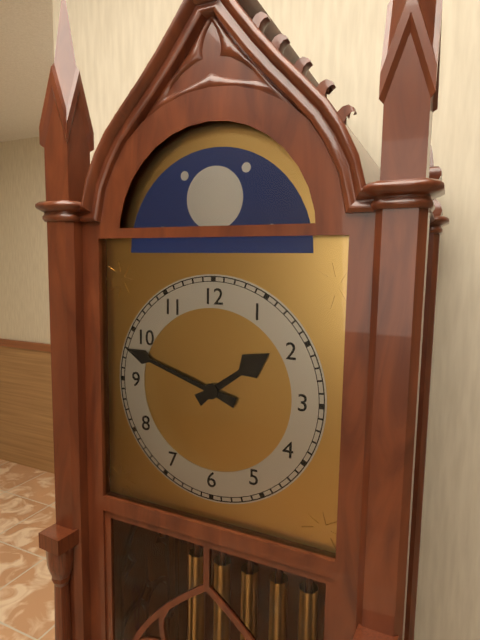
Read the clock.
1:48
